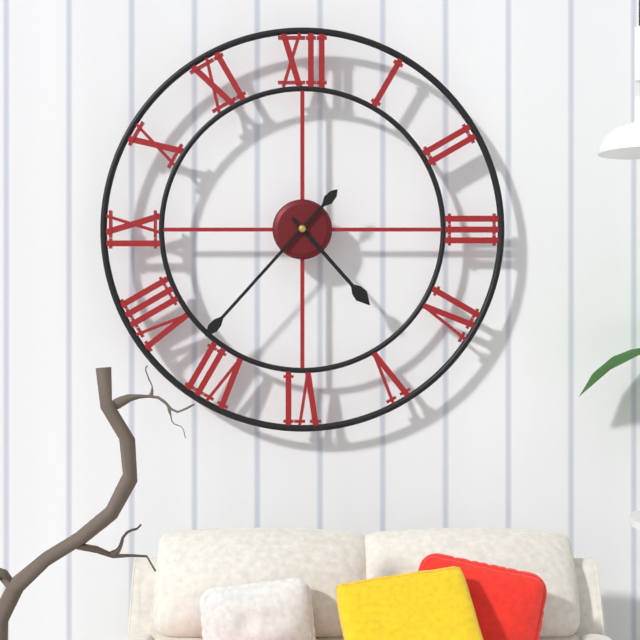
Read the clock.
4:37
